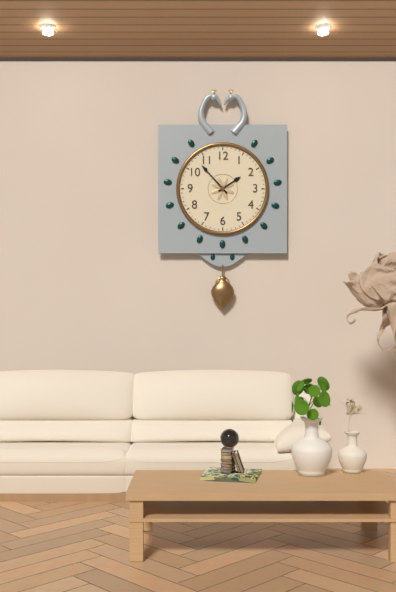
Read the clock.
1:53
